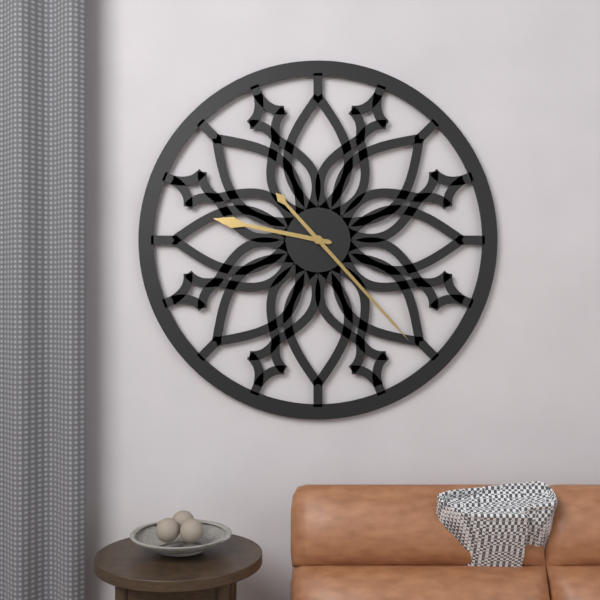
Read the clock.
9:23
